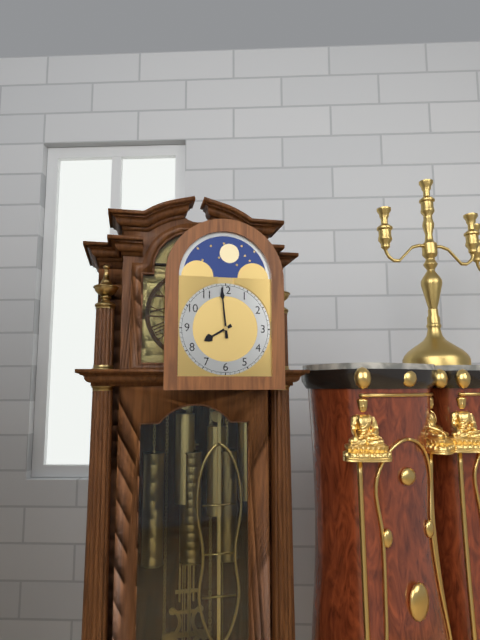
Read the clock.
7:59
